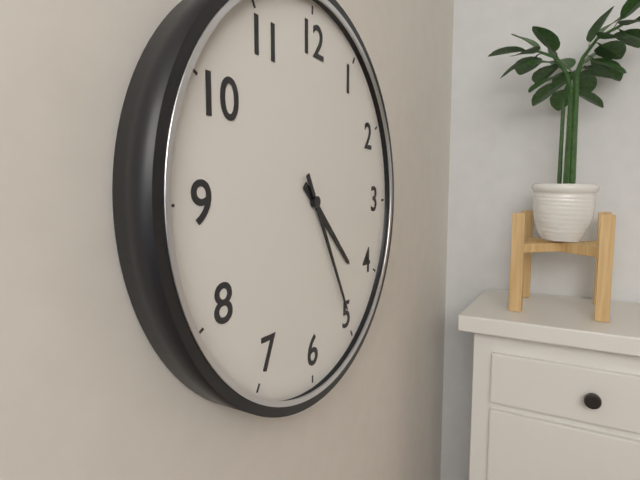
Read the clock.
4:25
